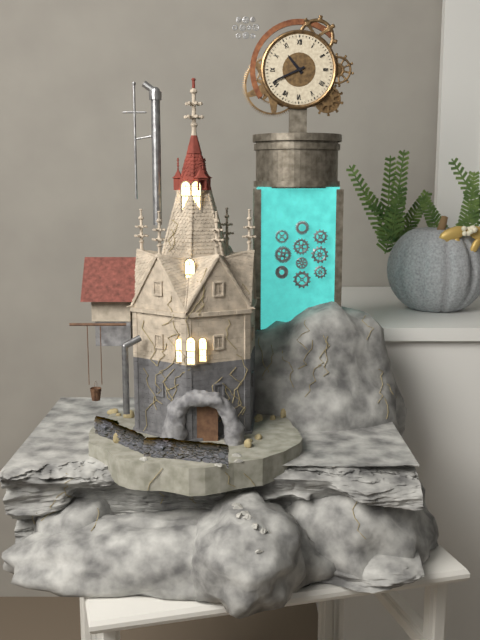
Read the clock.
10:41
